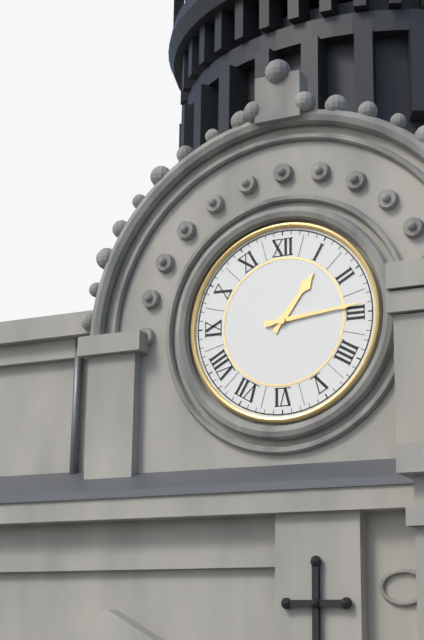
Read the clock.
1:14
